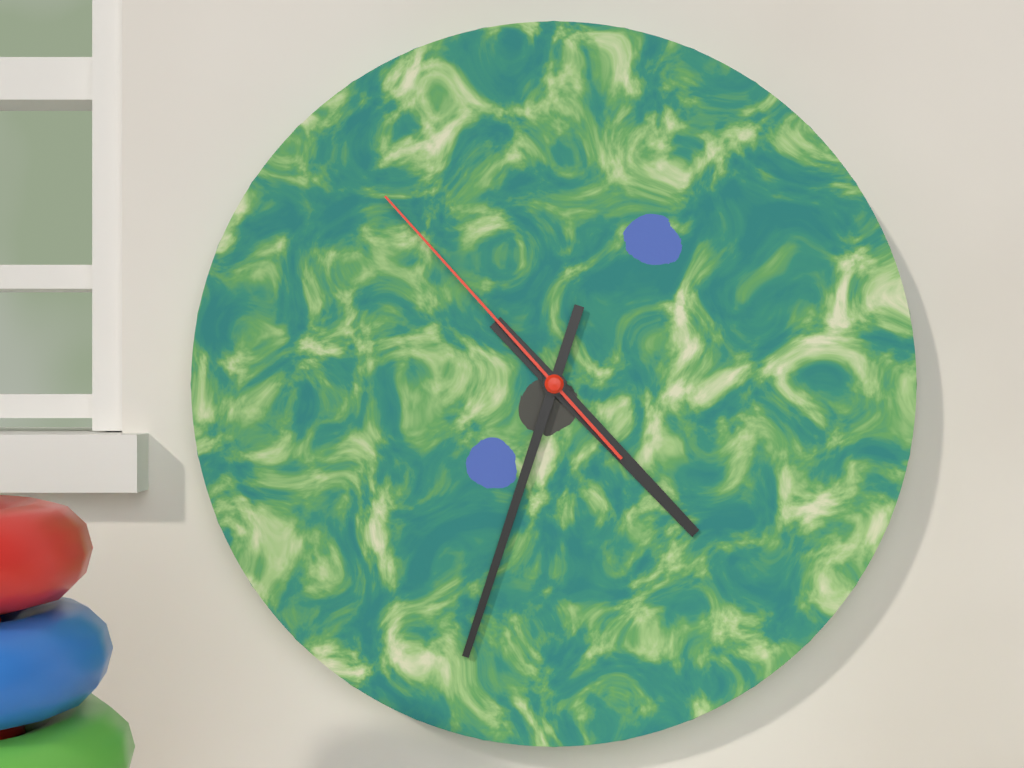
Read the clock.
4:33:53
